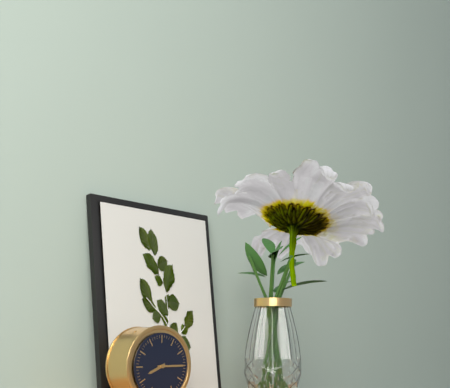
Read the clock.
8:15
